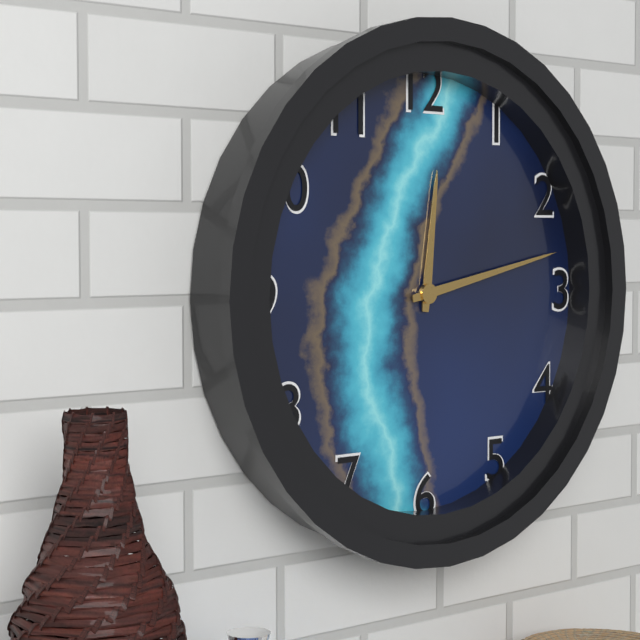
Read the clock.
12:13
